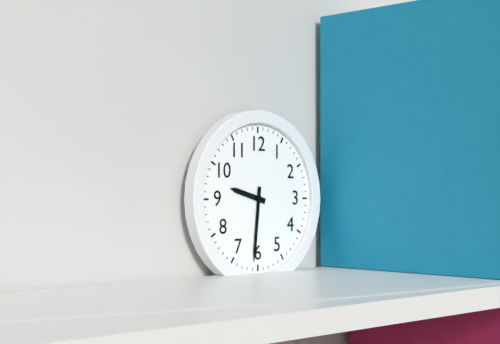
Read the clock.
9:31
